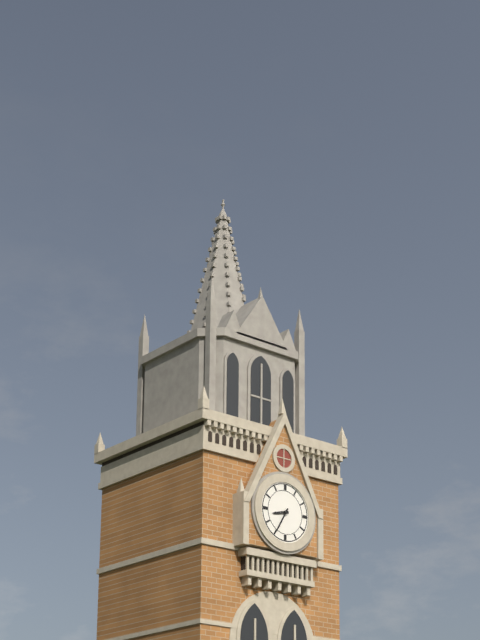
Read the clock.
8:35
